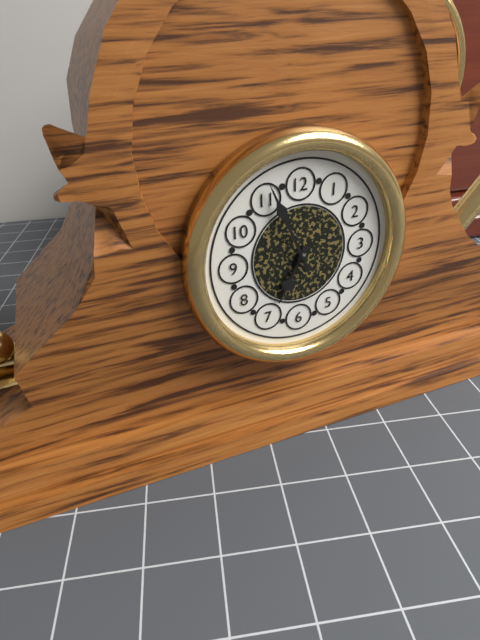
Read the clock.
6:56
